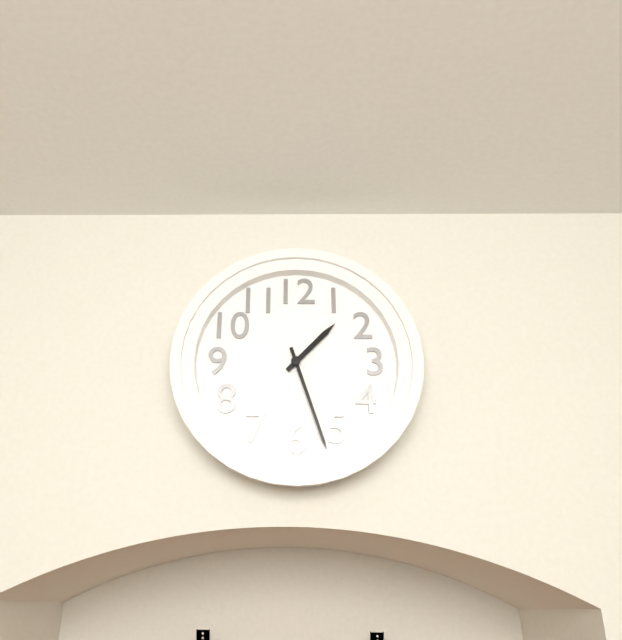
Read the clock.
1:27
